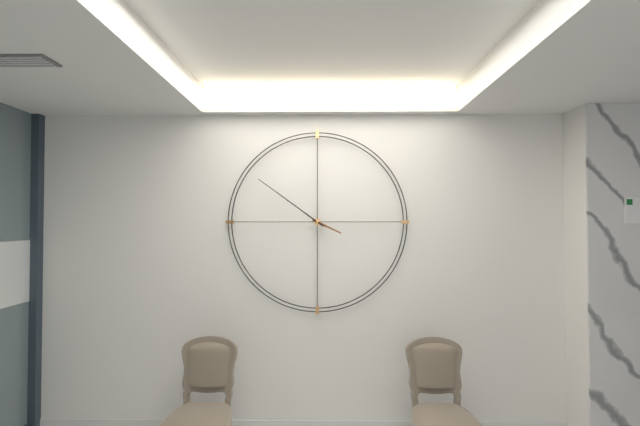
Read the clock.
3:51
